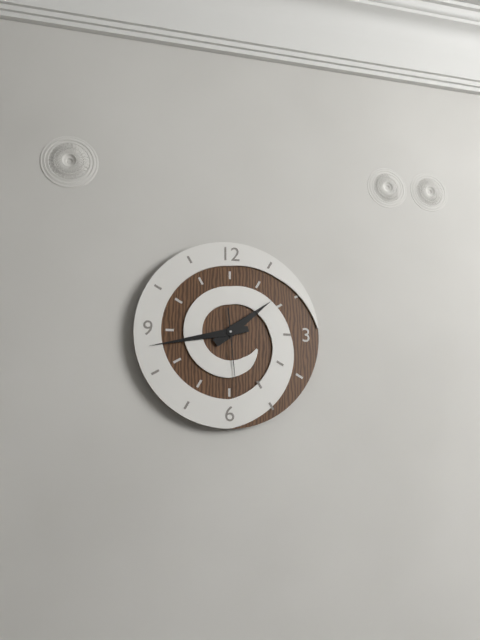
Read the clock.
1:43:29
